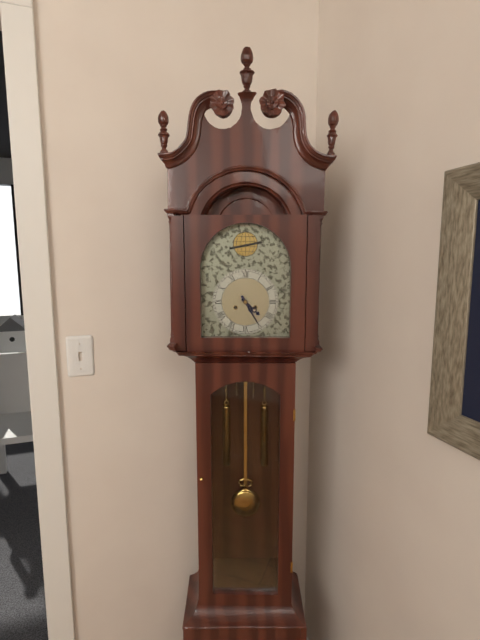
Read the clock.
4:25
